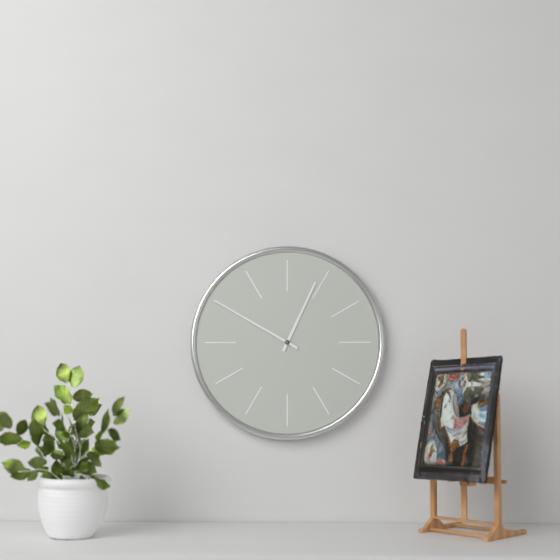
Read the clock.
12:50
